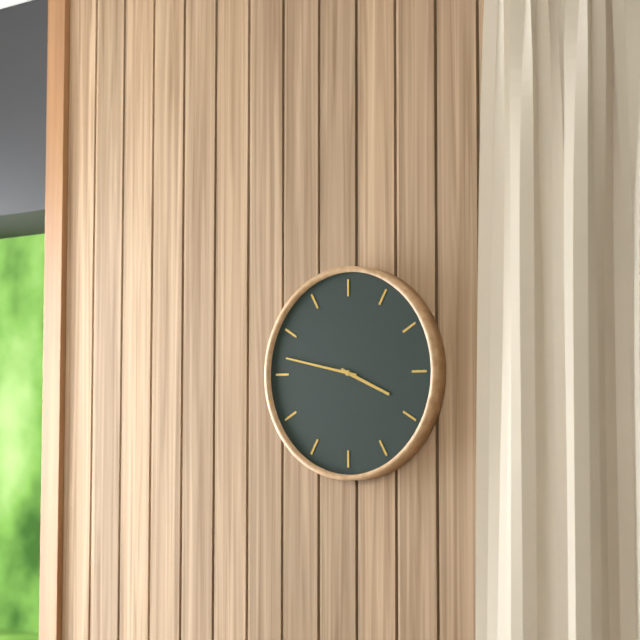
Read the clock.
3:47
